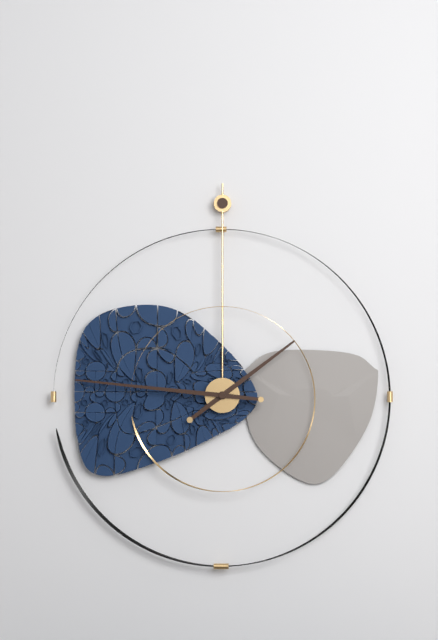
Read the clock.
1:46
